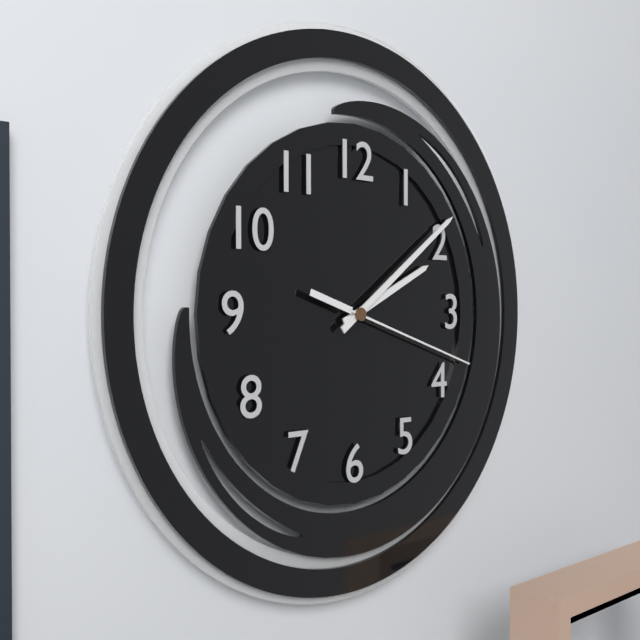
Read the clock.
2:09:18
